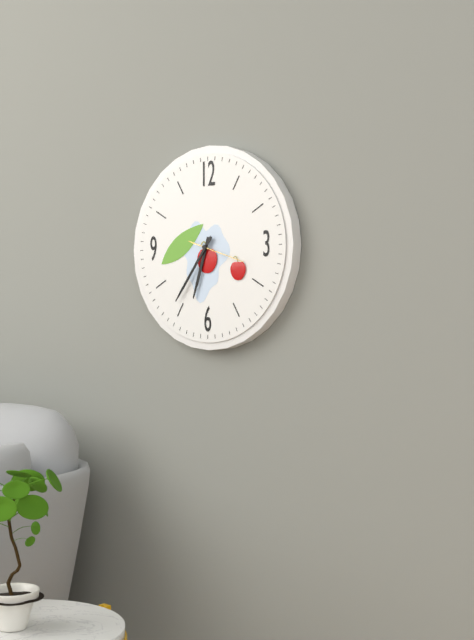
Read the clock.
6:36:18
